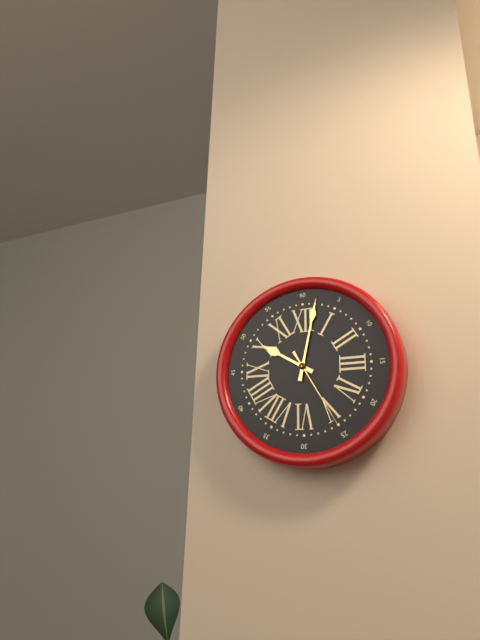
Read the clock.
10:02:25
